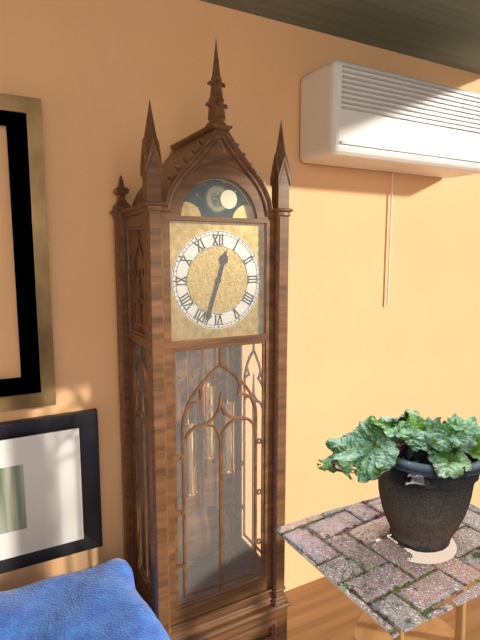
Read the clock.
12:33
